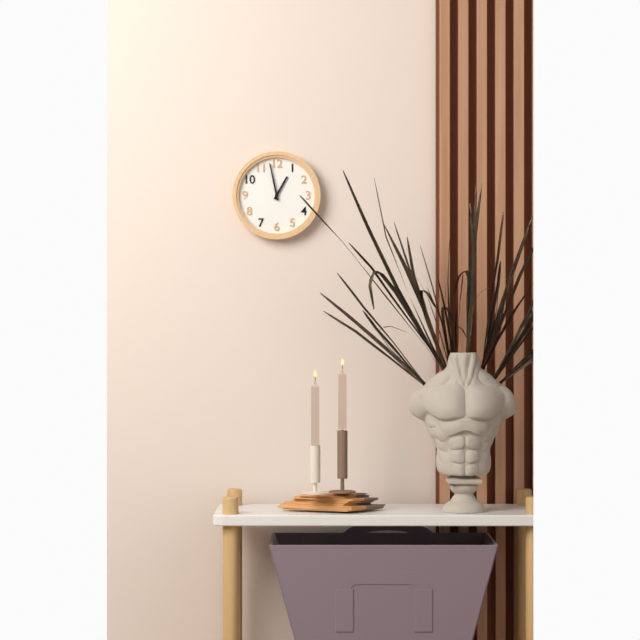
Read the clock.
12:58
